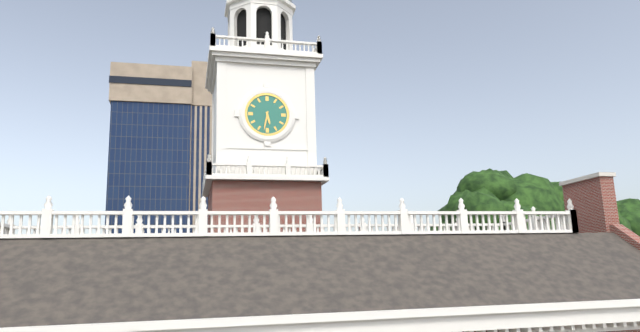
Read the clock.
5:32
